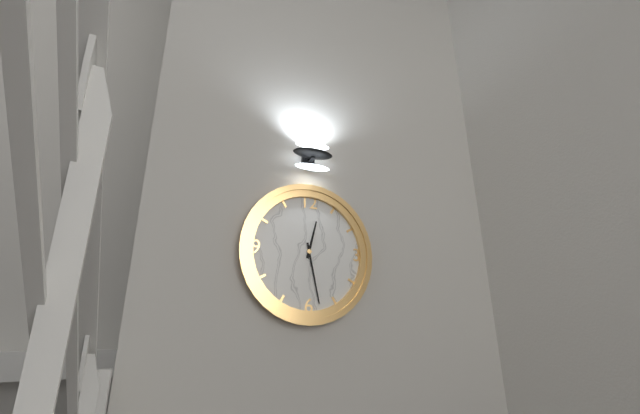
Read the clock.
12:28
